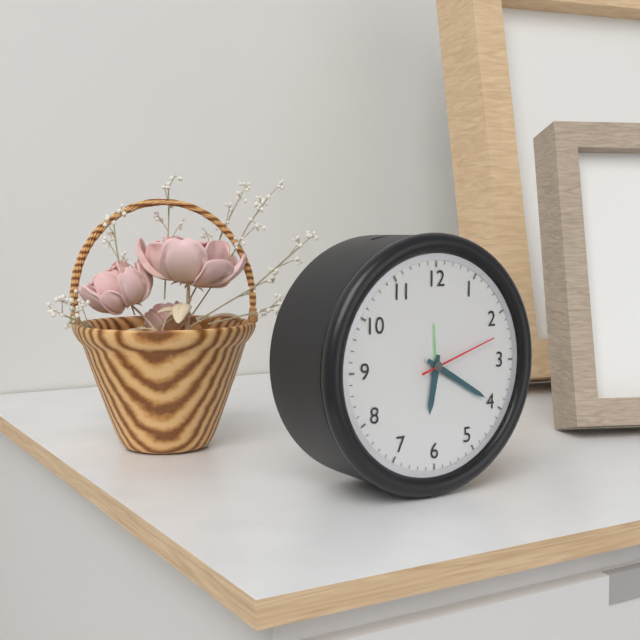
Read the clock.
6:20:12
